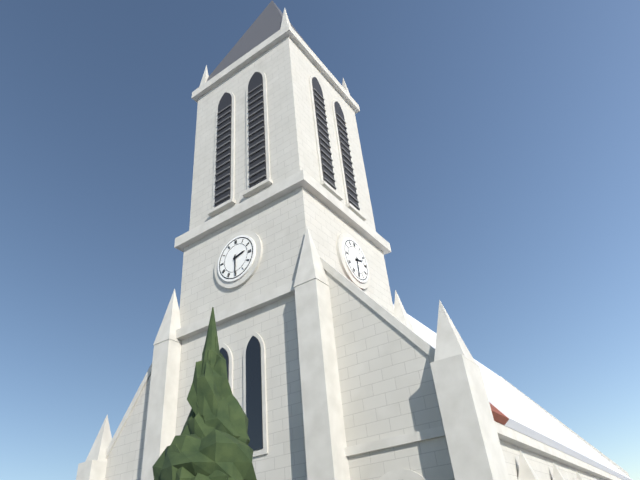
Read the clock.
2:30
